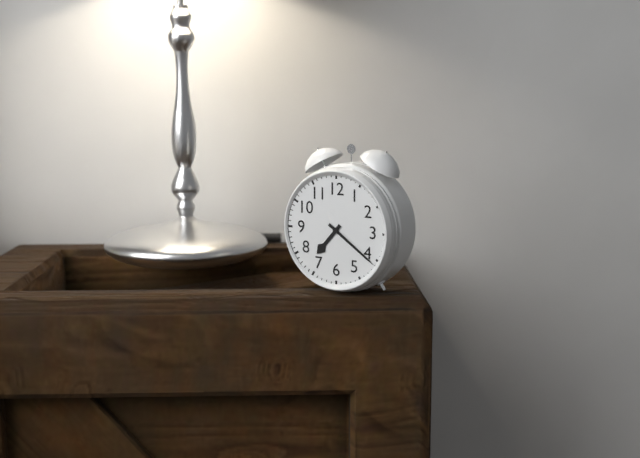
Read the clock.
7:21
